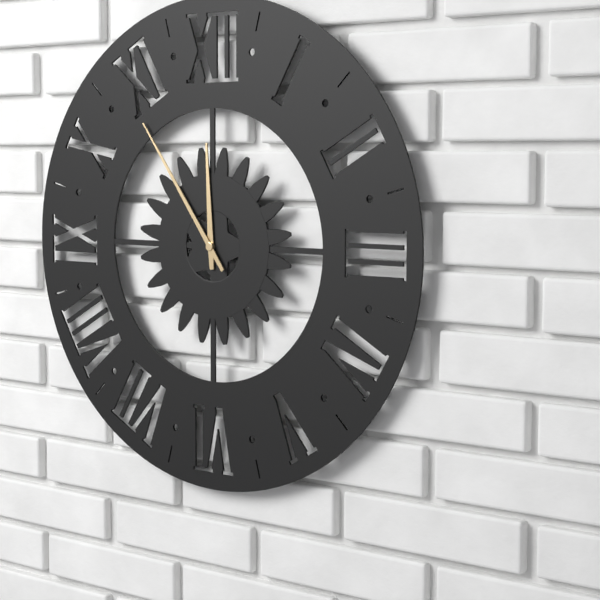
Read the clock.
11:54
